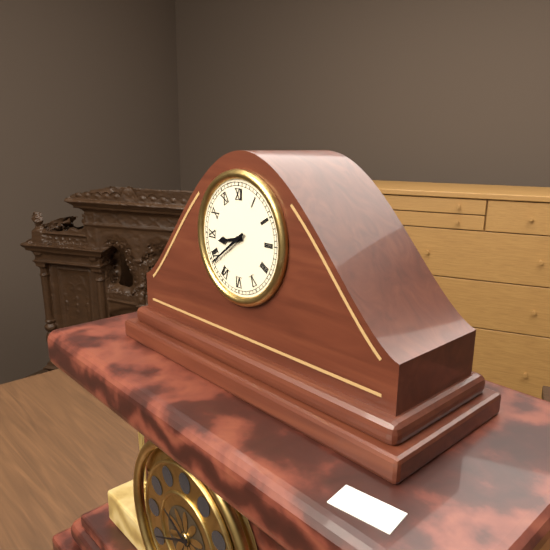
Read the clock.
8:39
